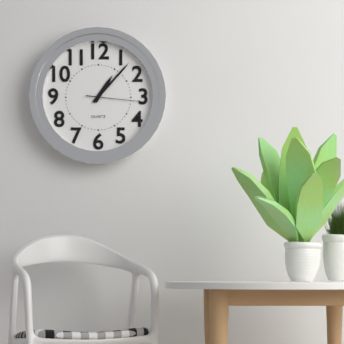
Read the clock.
1:07:16
